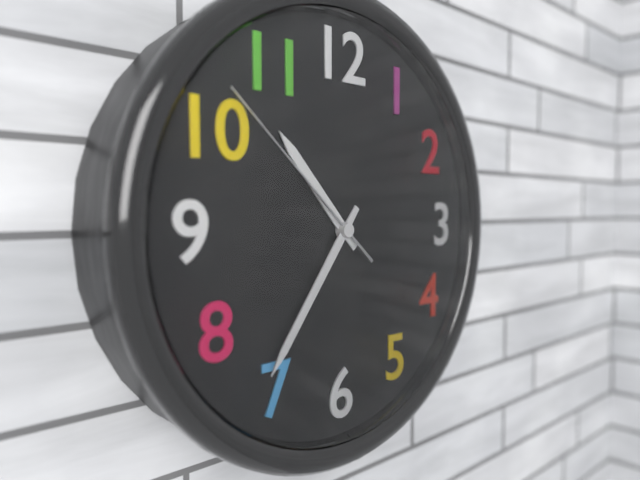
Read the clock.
10:36:52
